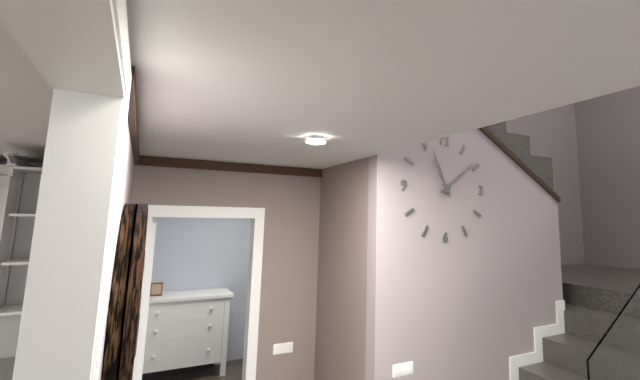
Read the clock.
11:09:56
